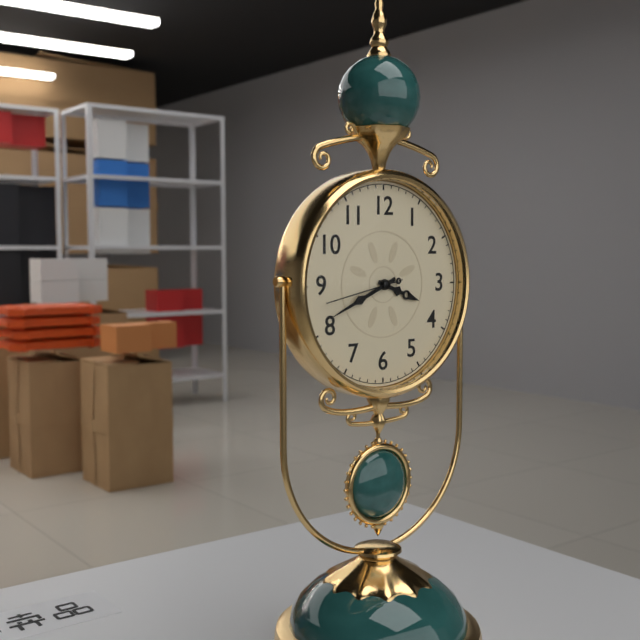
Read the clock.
3:41:43
